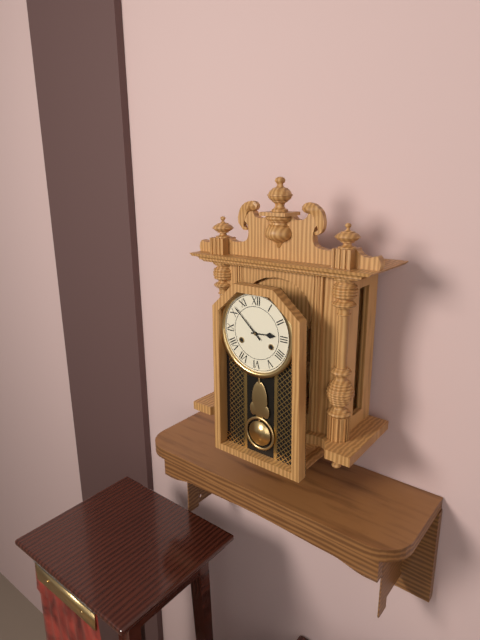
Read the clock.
2:52
